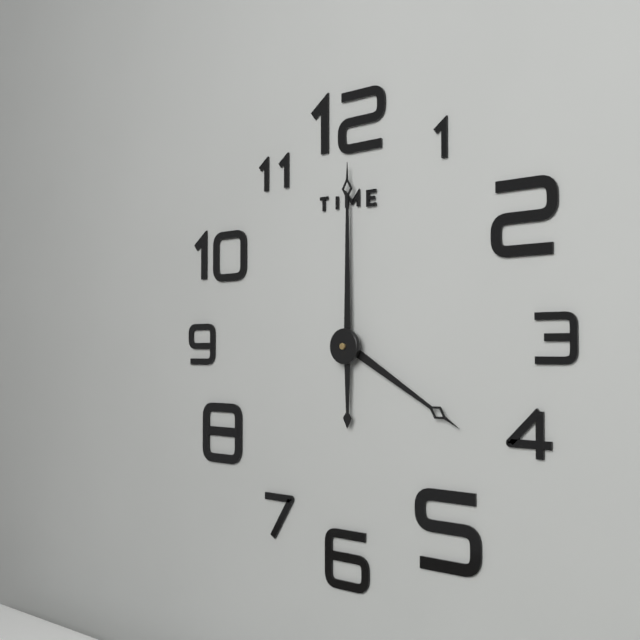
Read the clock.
4:00
